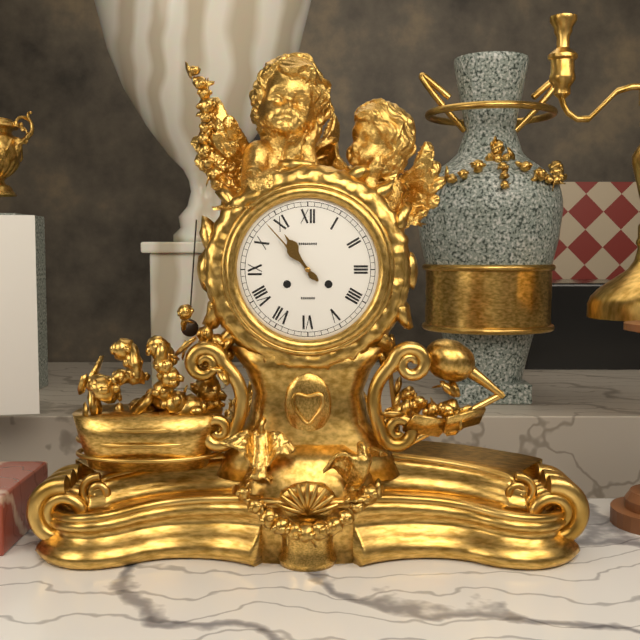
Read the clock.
10:53
